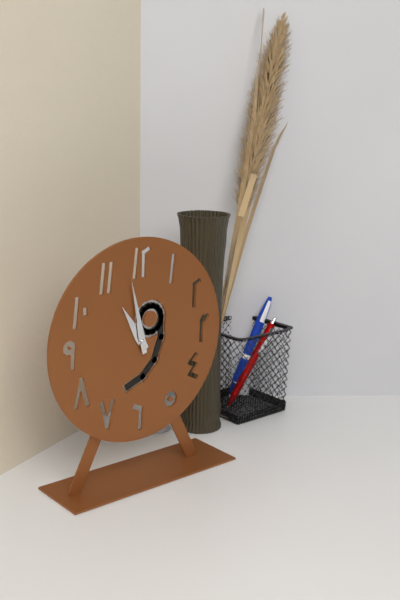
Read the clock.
10:58
